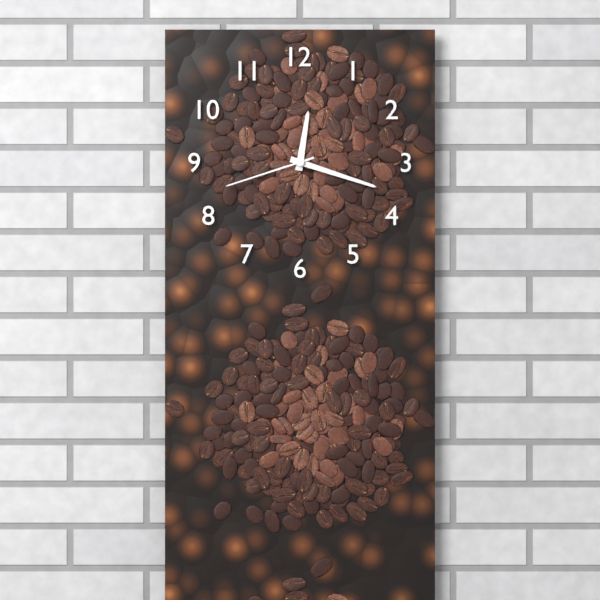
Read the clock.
12:18:42
